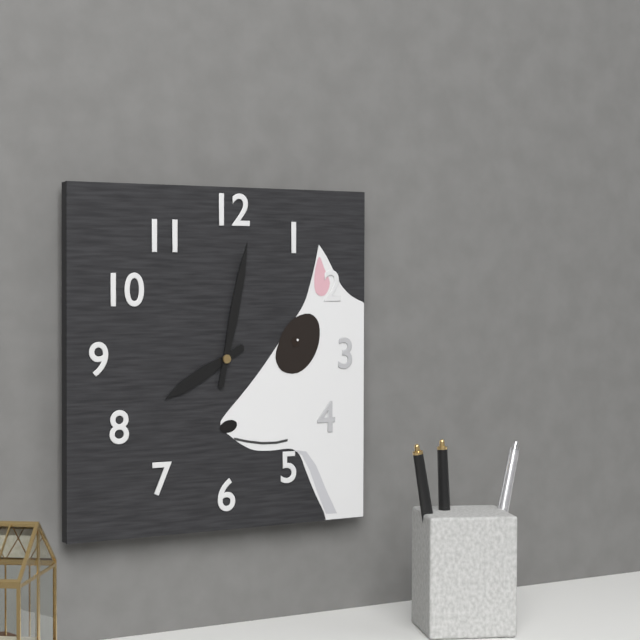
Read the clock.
8:02
